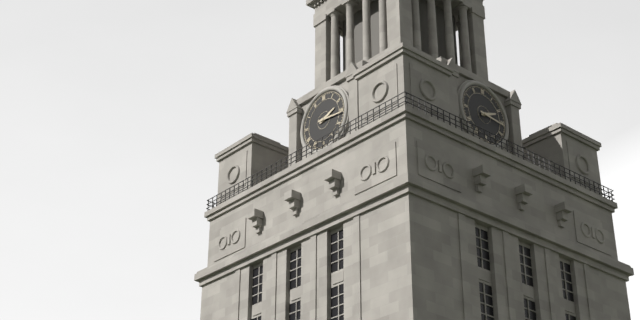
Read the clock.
2:16
